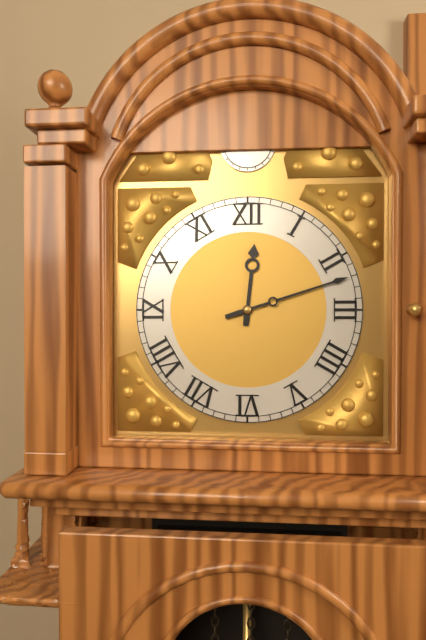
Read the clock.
12:12
